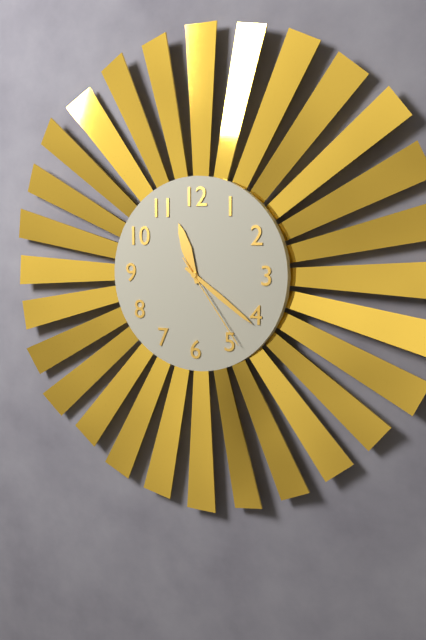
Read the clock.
11:21:24
